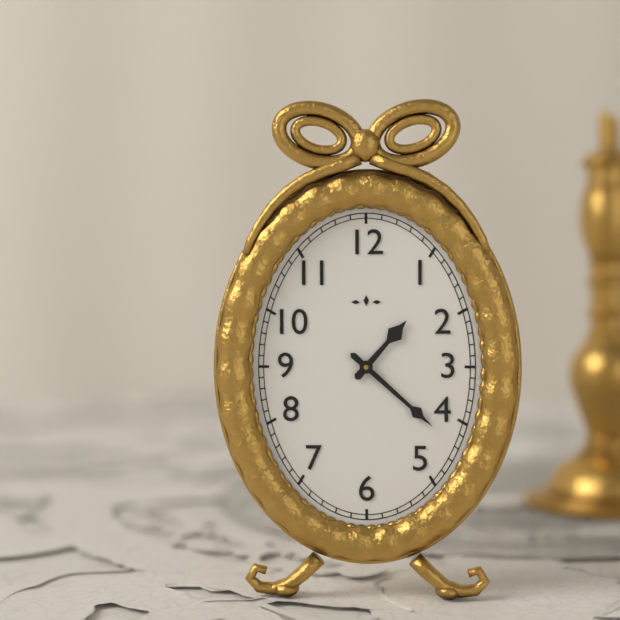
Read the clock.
1:22
